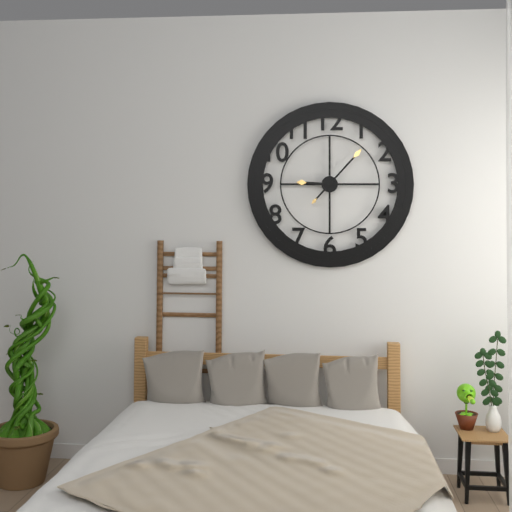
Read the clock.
9:07
